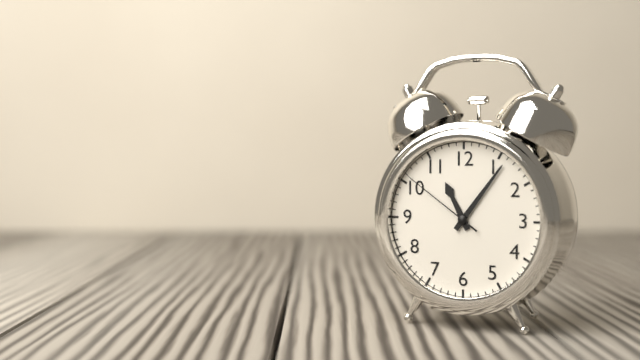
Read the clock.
11:06:51
